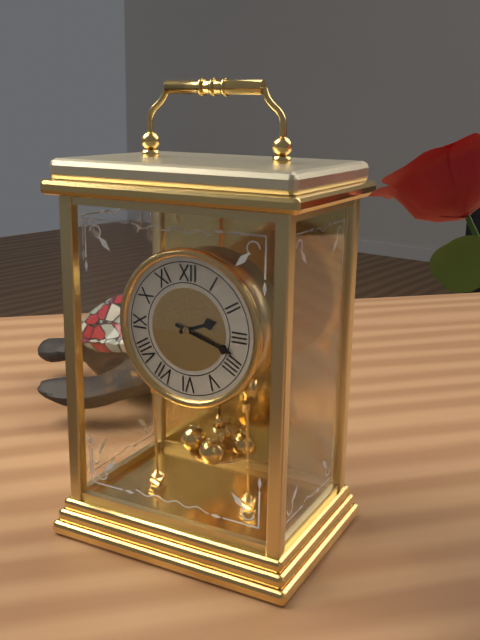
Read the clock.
2:18
